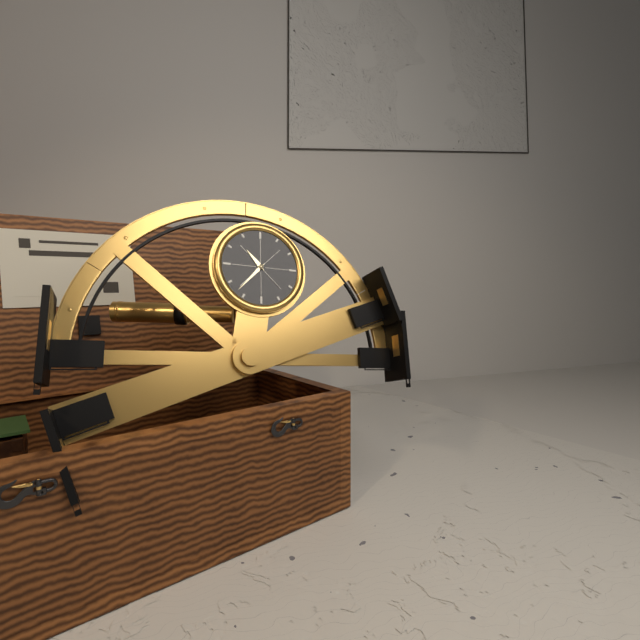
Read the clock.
10:37
